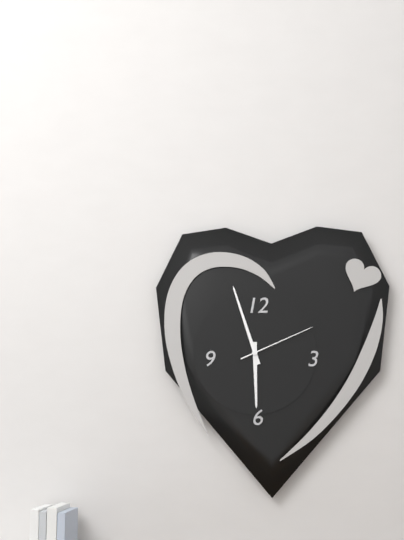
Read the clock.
5:57:11
